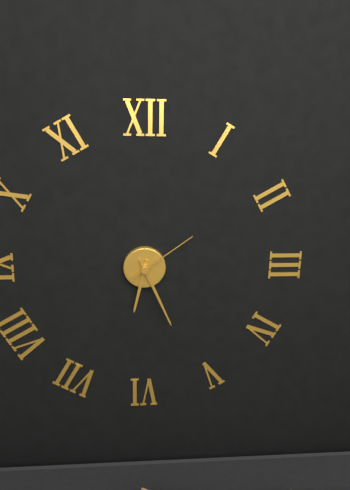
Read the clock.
6:26:09
